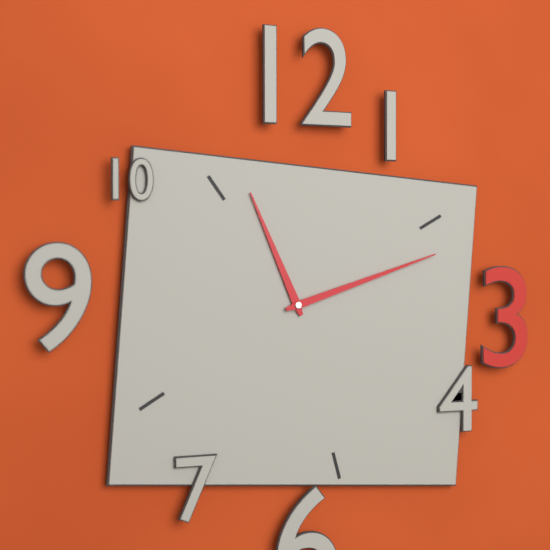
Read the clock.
11:12
